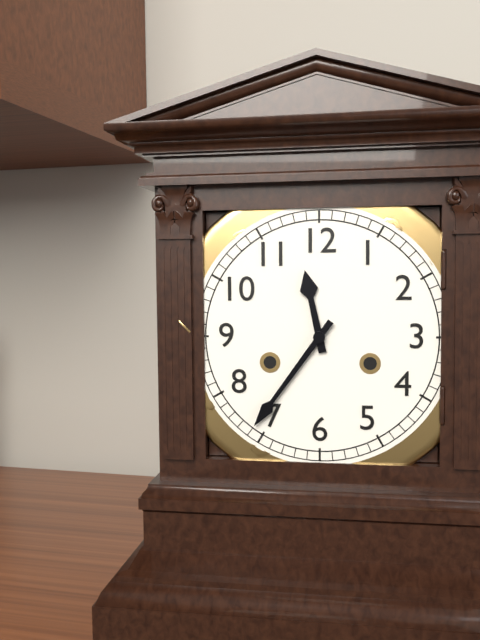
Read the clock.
11:36
